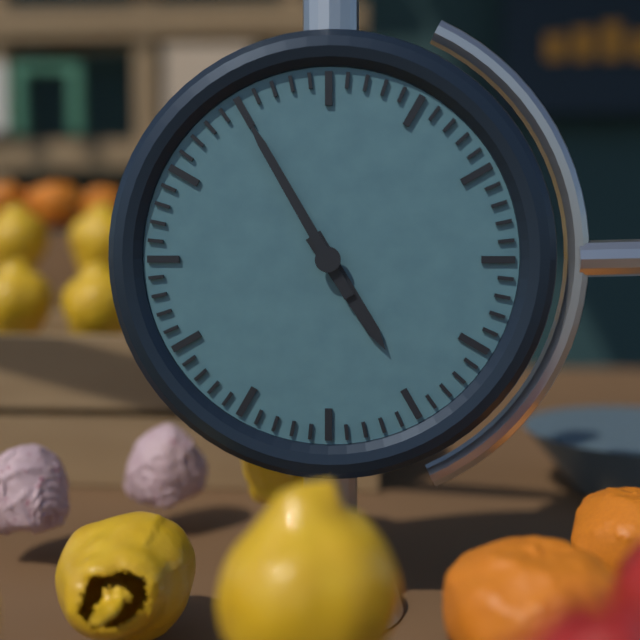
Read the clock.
4:55
